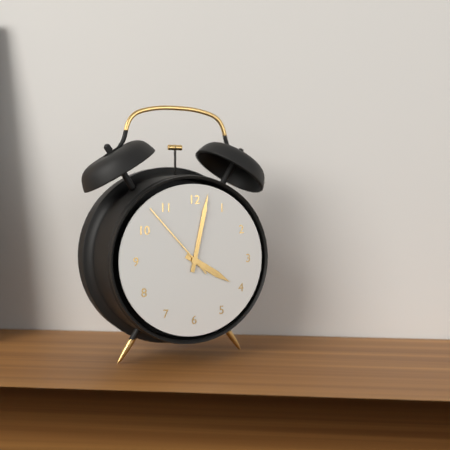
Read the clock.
4:02:53
